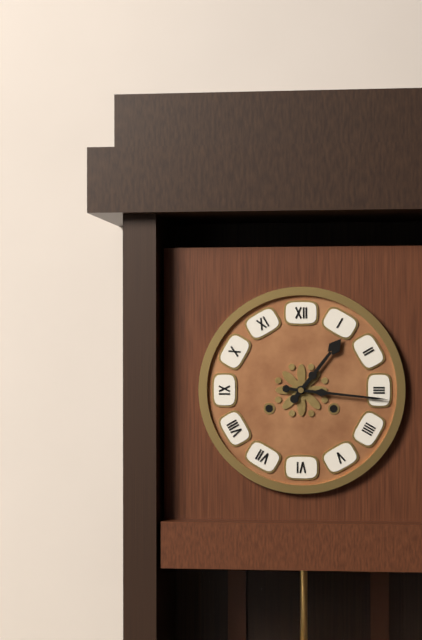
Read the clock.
1:16
